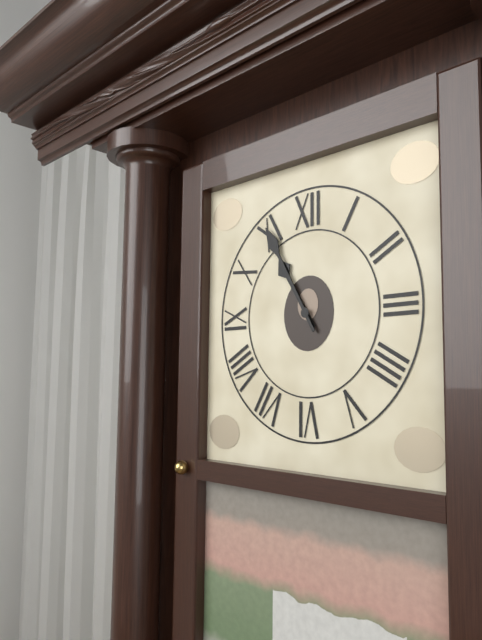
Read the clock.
10:55
